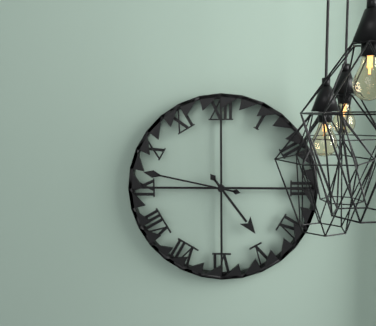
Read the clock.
4:47
